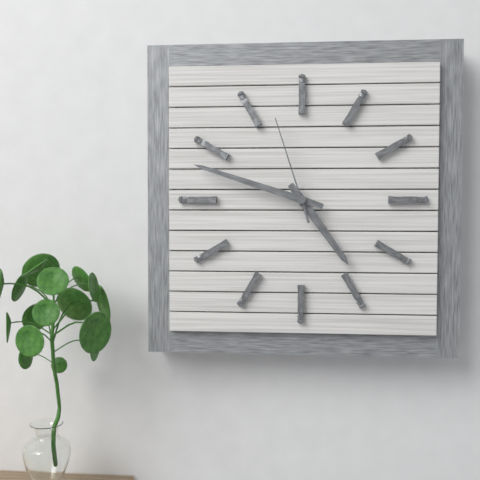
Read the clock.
4:48:57
